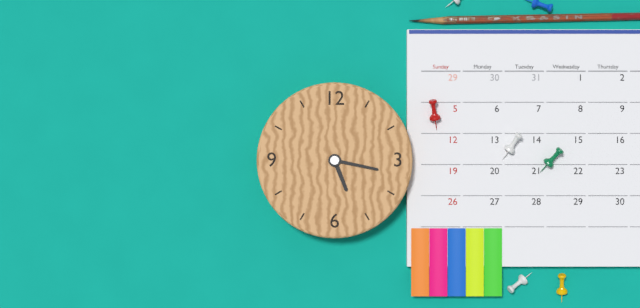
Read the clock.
5:17
